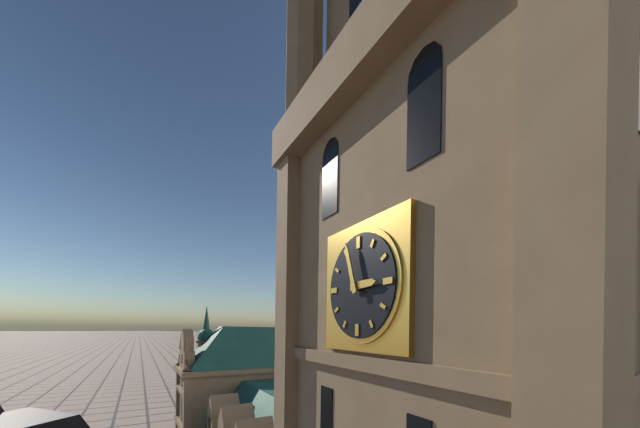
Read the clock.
2:57
